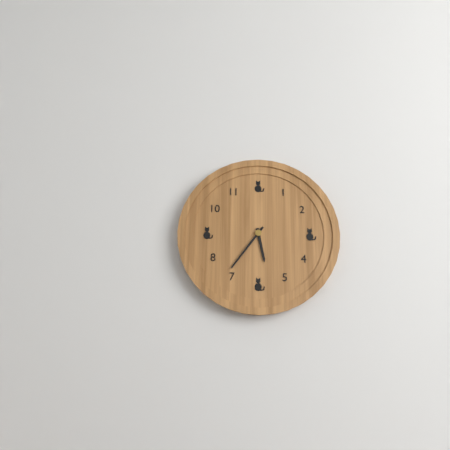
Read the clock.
5:36
